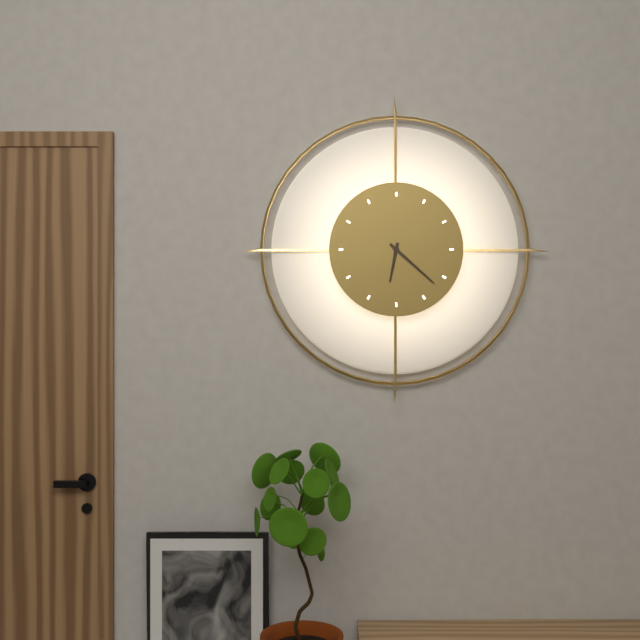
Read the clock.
6:22
